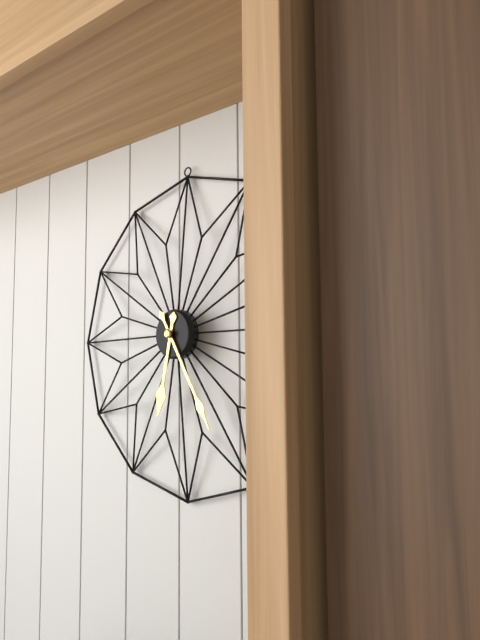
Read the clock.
6:25
